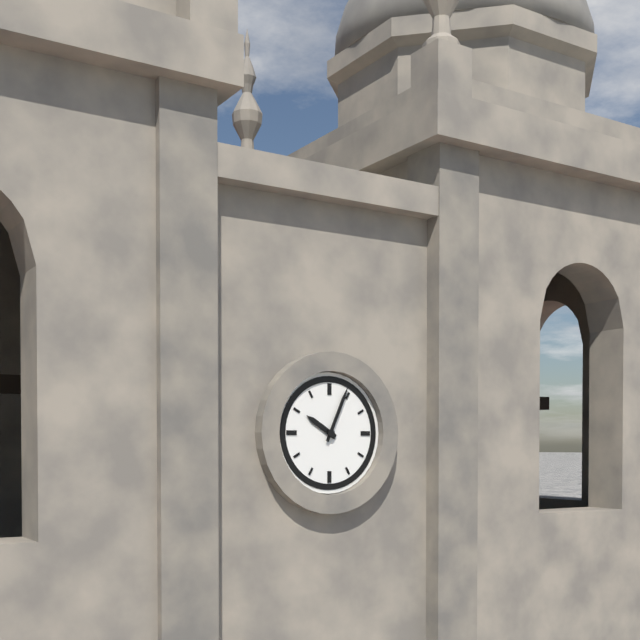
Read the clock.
10:04
